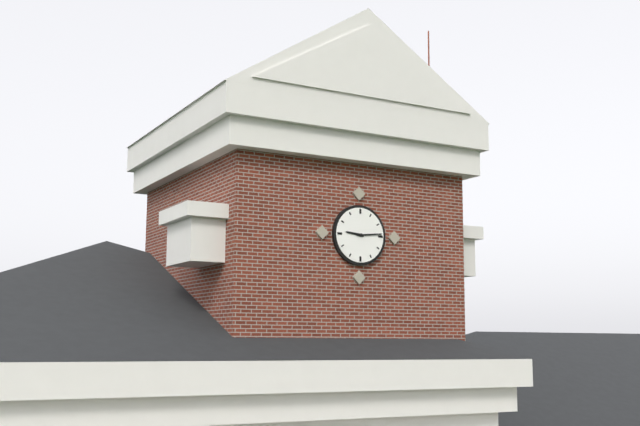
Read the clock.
9:14
